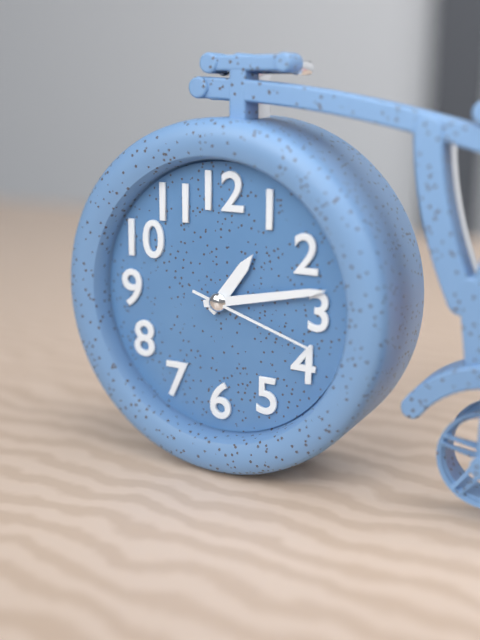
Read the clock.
1:13:18
